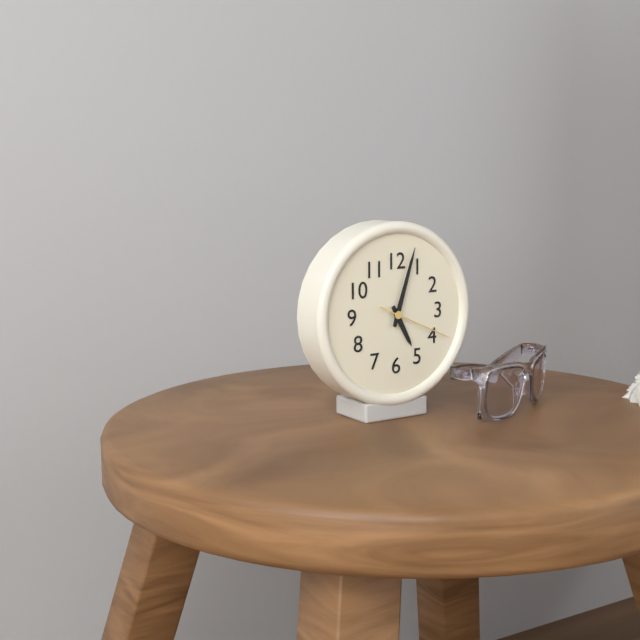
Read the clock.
5:03:19
